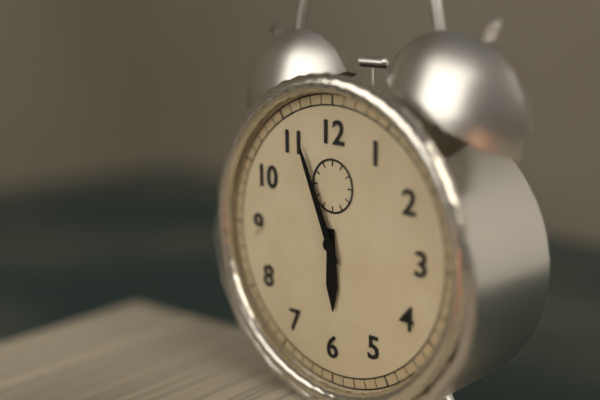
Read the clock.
5:56
